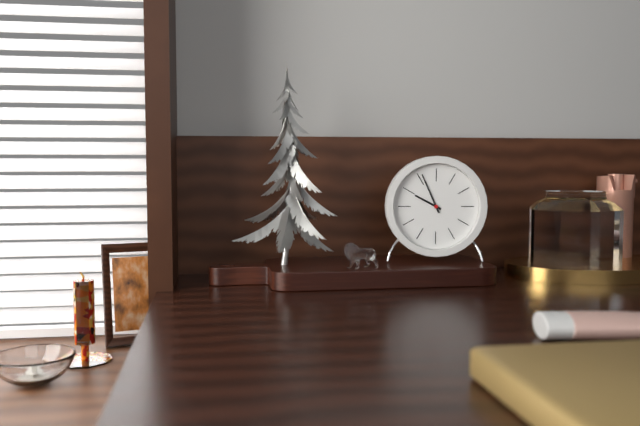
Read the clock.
9:56
